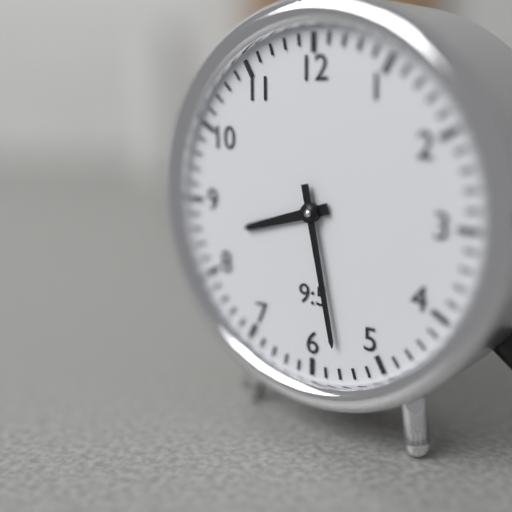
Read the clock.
8:28
